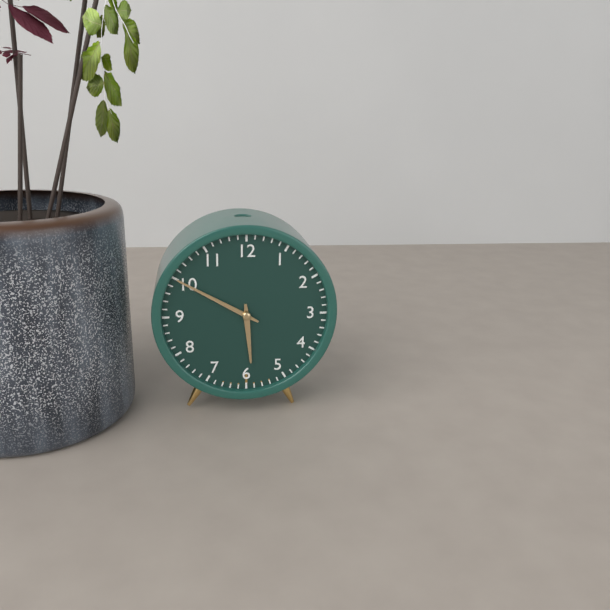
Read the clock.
5:50
